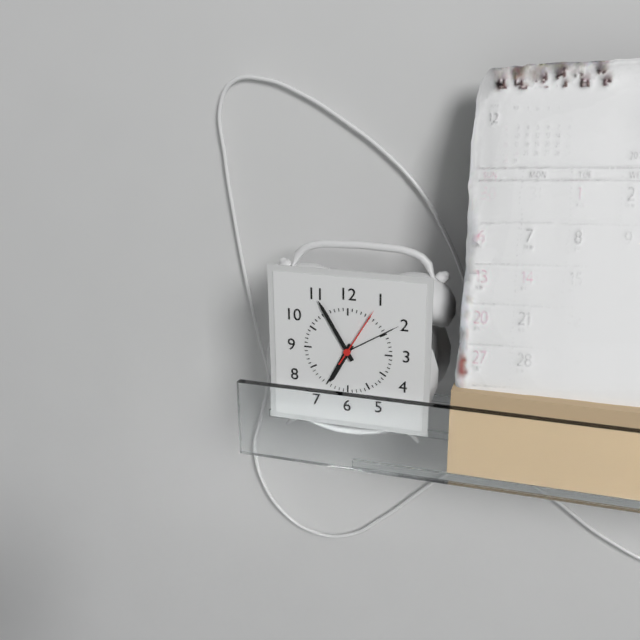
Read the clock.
6:55:05
